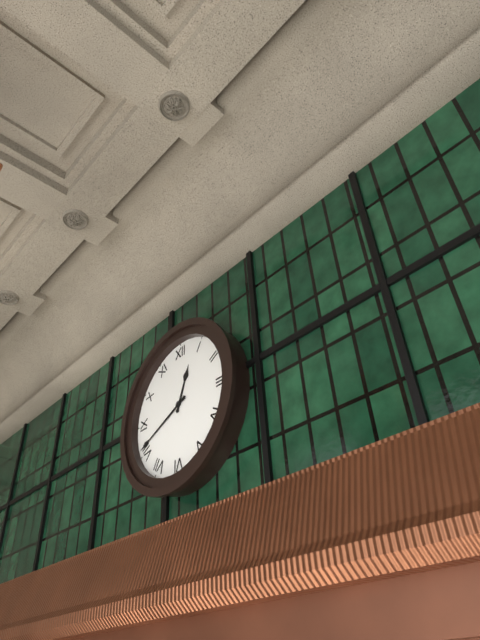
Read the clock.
12:41
